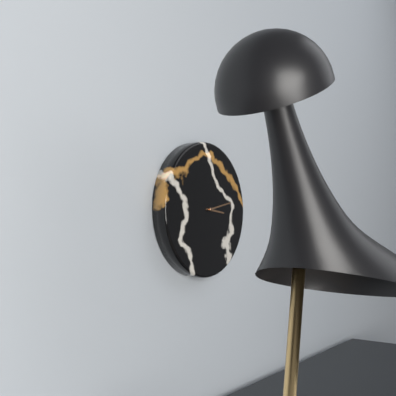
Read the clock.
3:13
